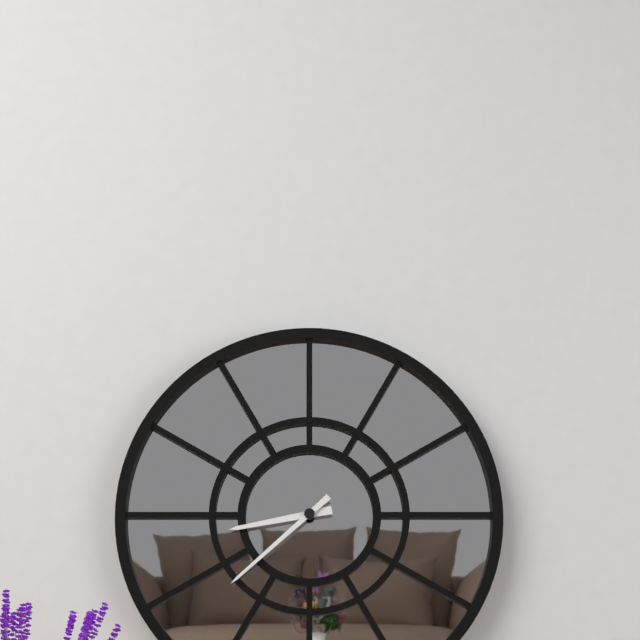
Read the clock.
8:38
